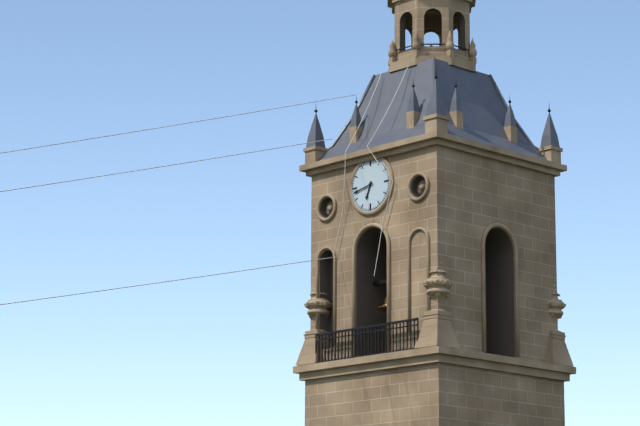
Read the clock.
6:43
